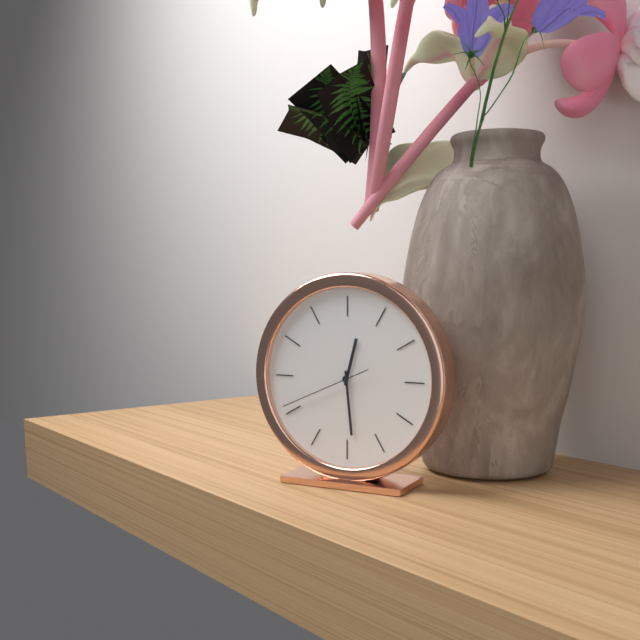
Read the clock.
12:29:41
